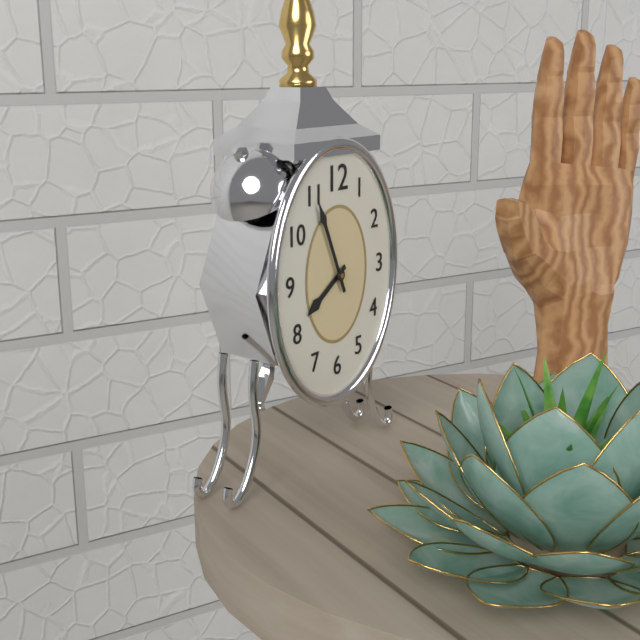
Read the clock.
7:56
